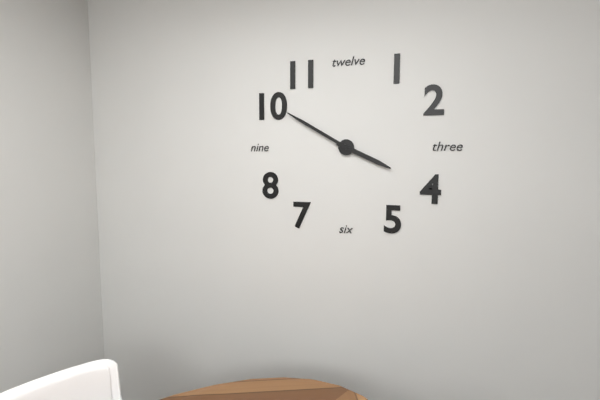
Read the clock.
3:50
